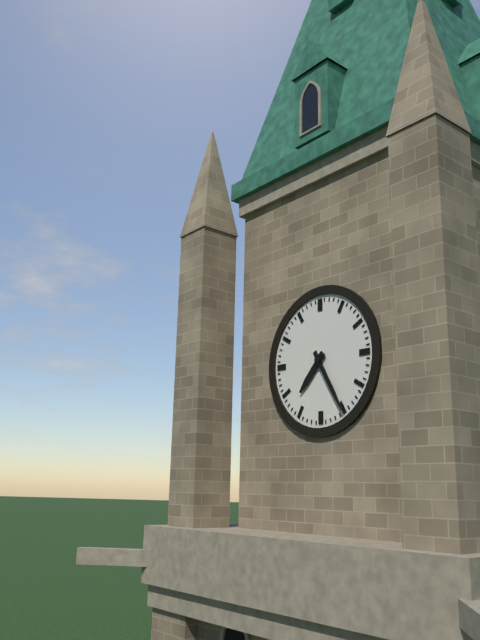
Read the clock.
7:25
